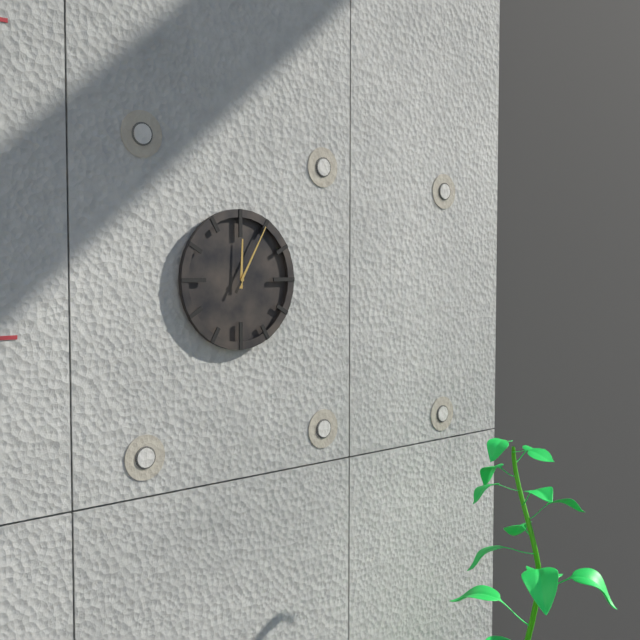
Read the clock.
12:05
